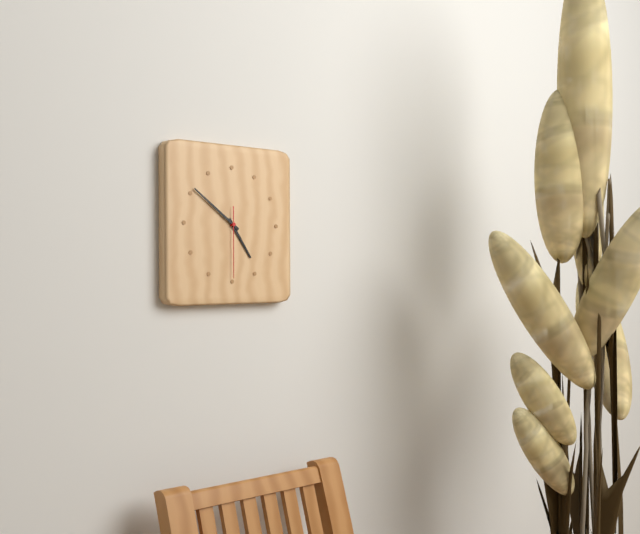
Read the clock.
4:51:30
